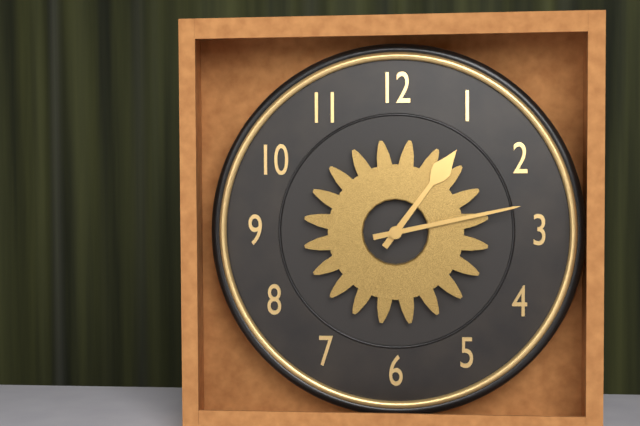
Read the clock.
1:13
